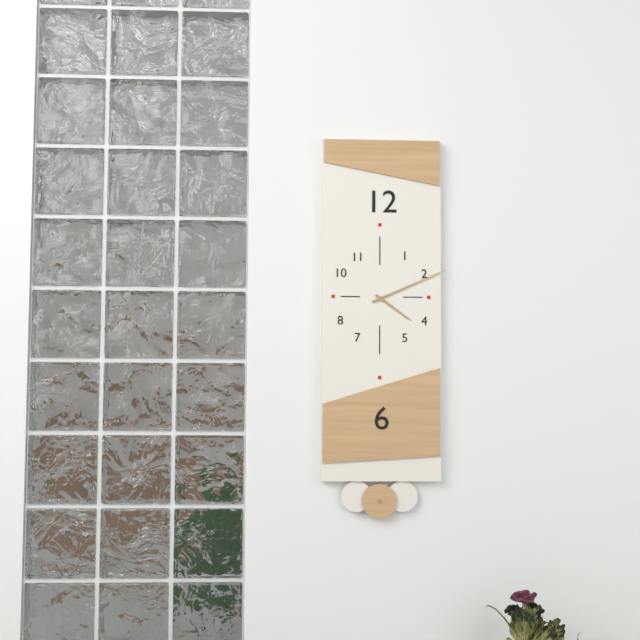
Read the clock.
4:11
